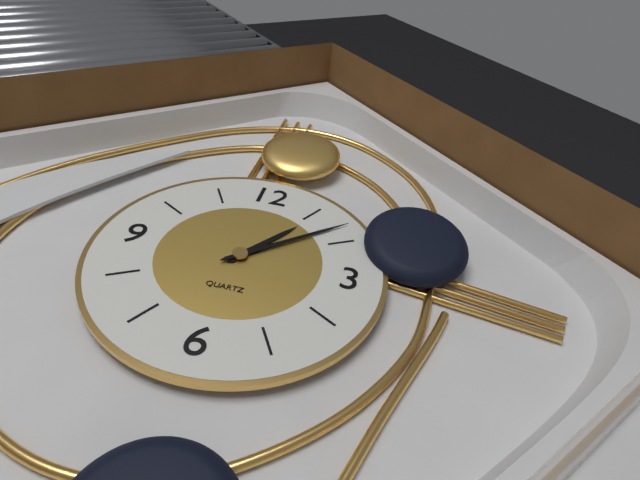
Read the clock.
1:08
